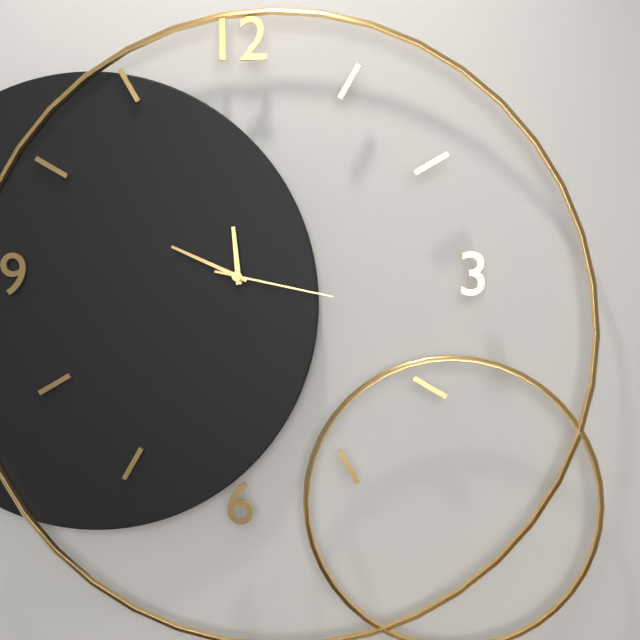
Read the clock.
11:49:17
